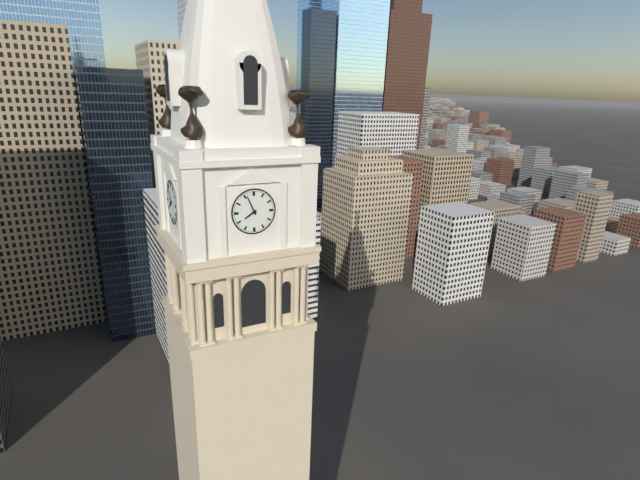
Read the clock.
7:56
